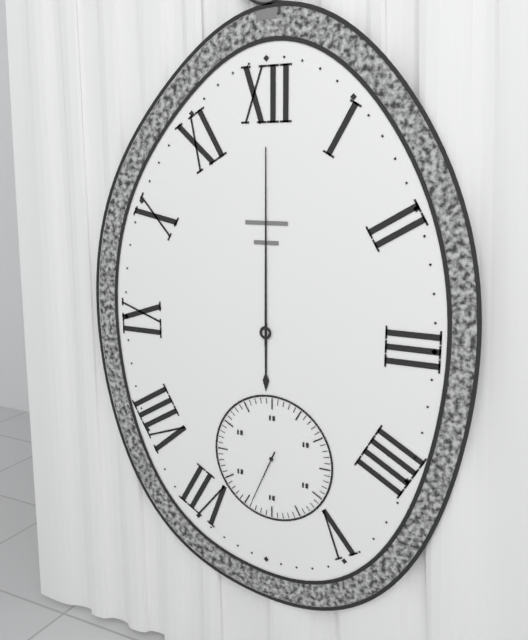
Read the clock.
6:00:34
